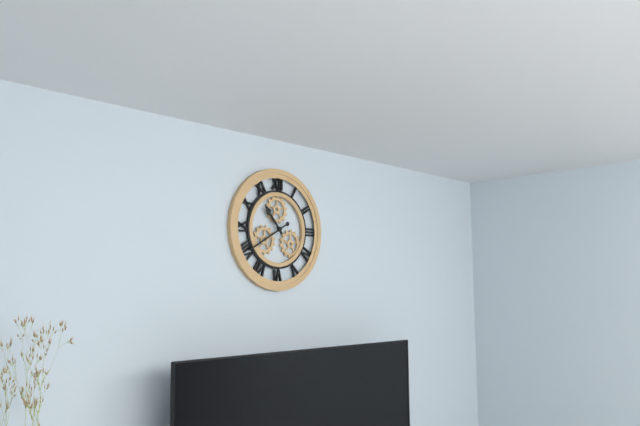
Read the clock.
10:40
